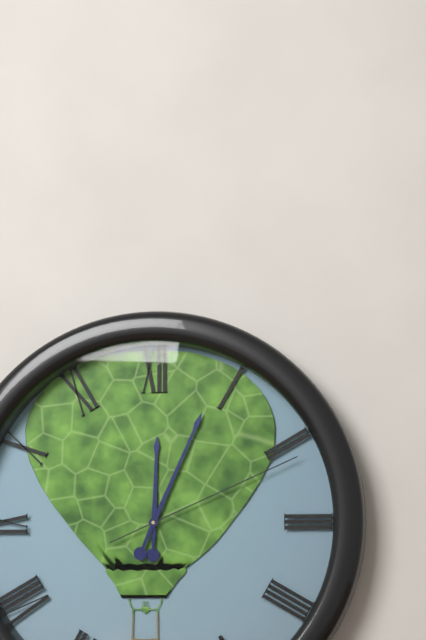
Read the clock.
12:04:11
